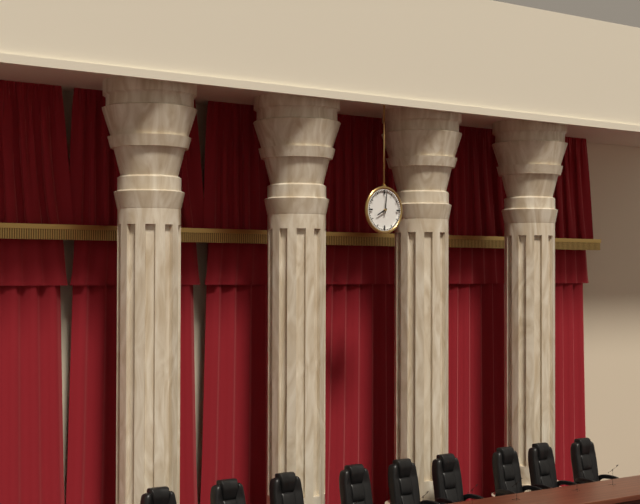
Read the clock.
8:01
